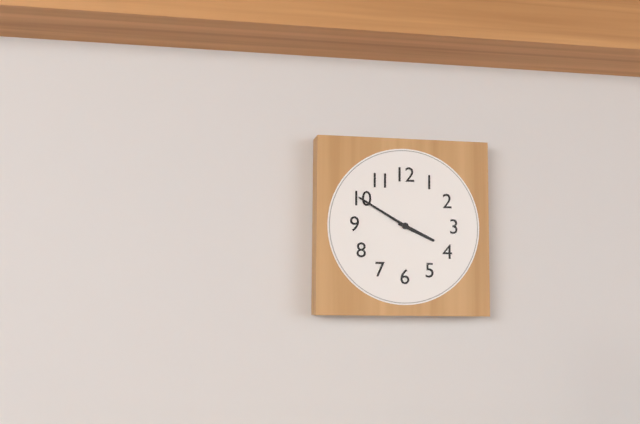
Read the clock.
3:50
